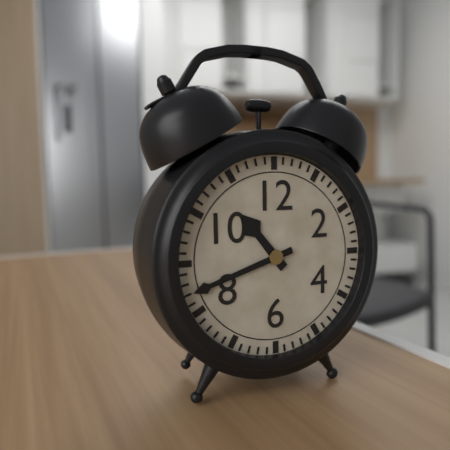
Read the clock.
10:42
